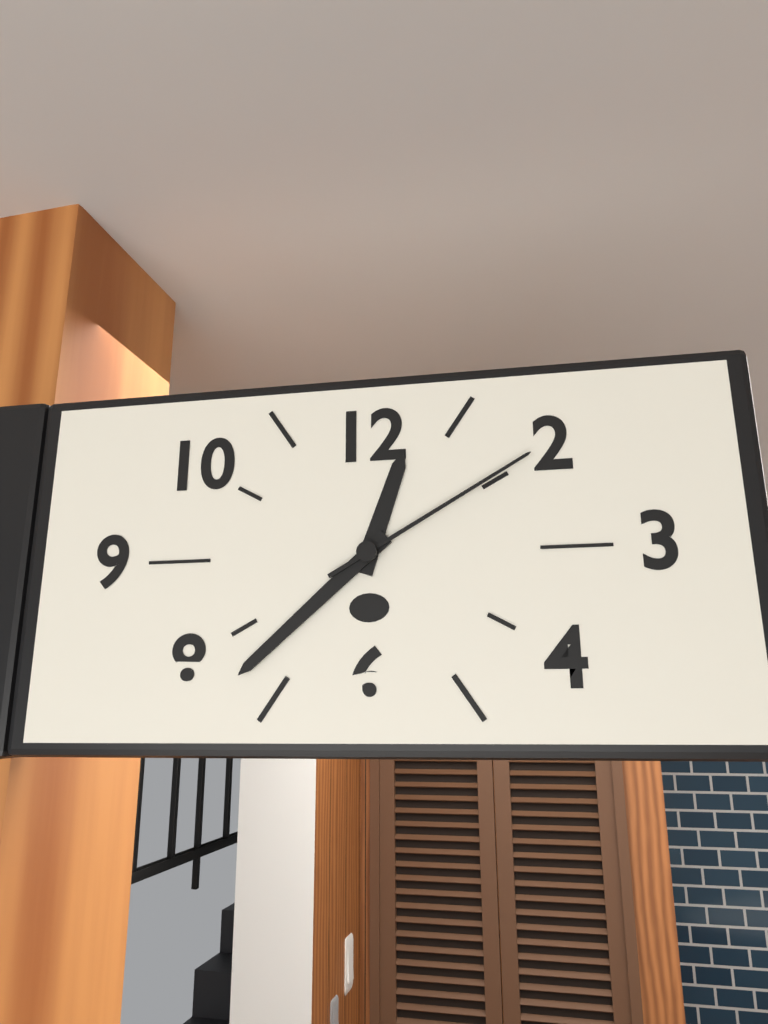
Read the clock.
12:38:10
